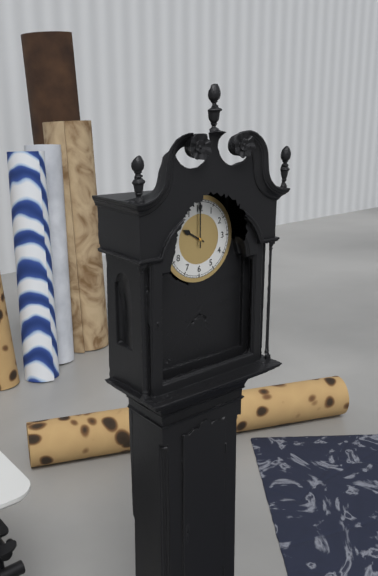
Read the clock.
10:00
